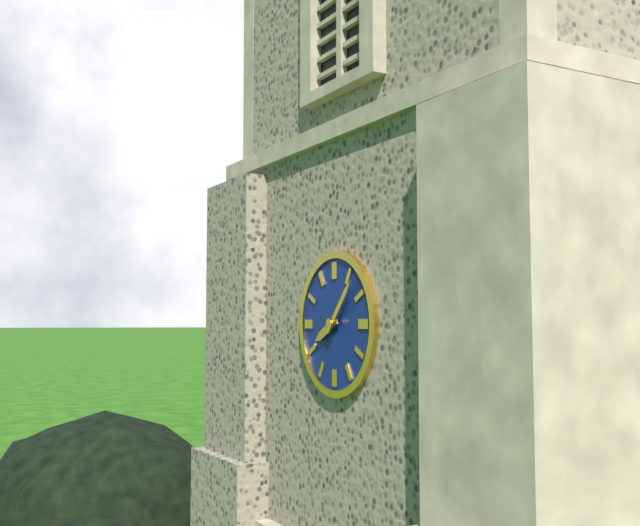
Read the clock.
8:07
